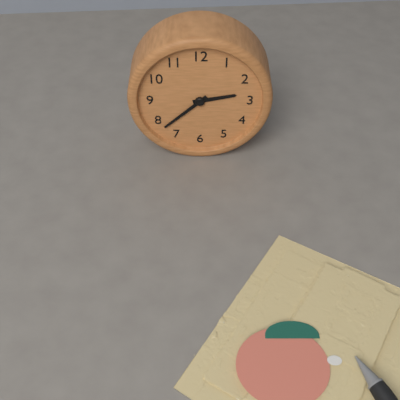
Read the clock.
2:38
